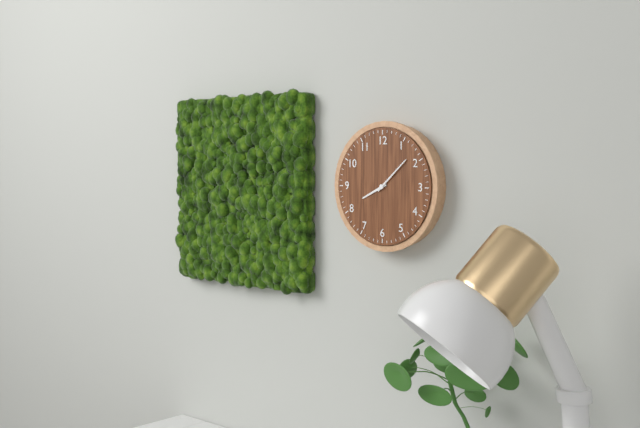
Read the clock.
8:08
